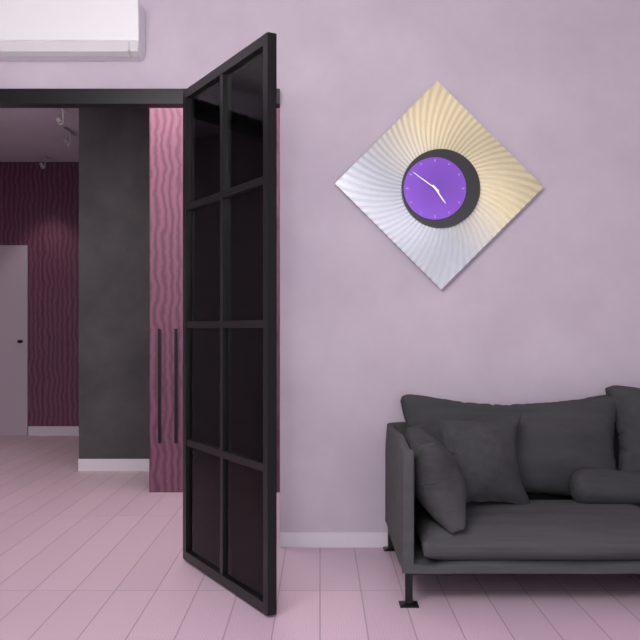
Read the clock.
4:51
